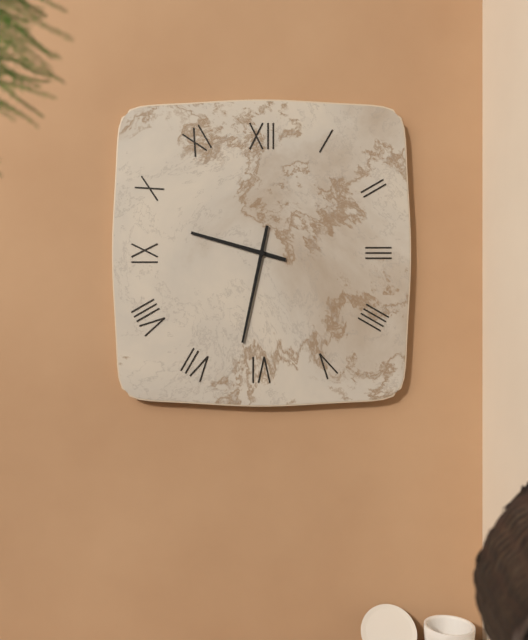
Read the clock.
9:32
